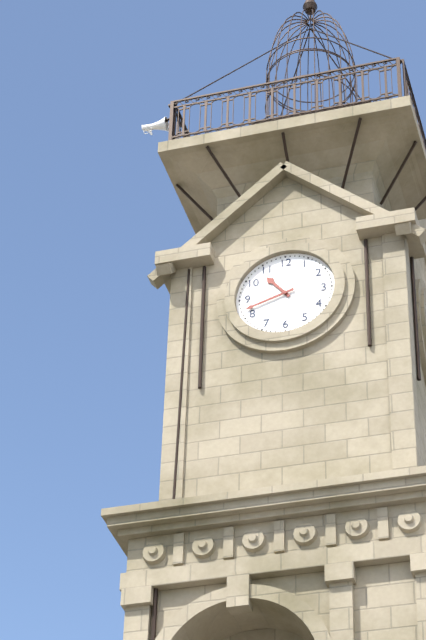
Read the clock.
10:42
